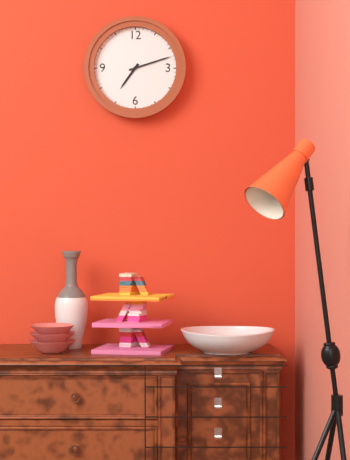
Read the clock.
7:12
